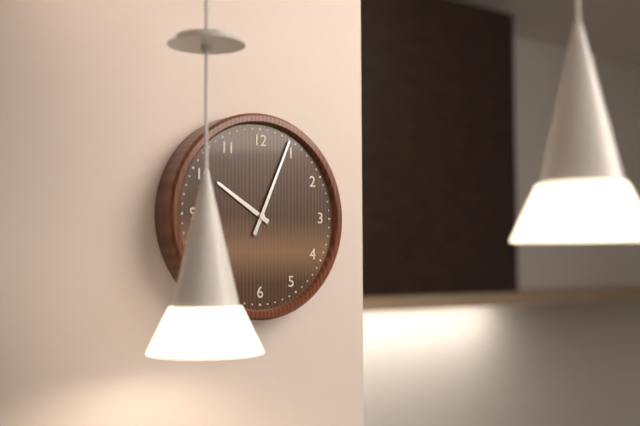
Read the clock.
10:04
